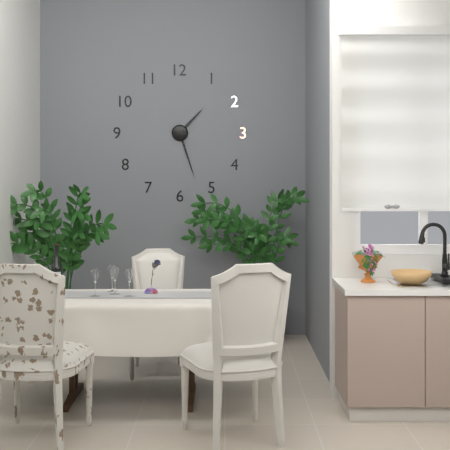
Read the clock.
1:27
